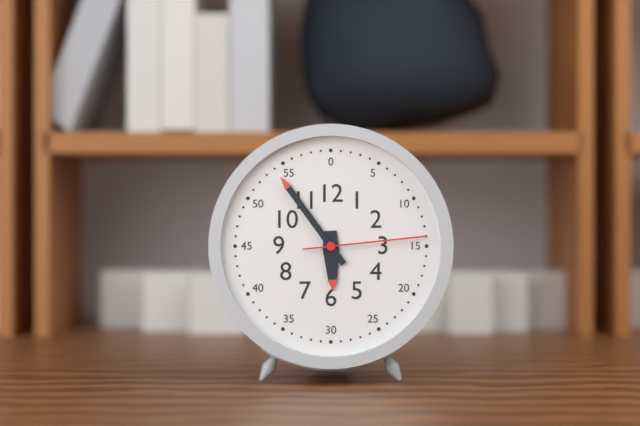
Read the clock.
5:54:14
